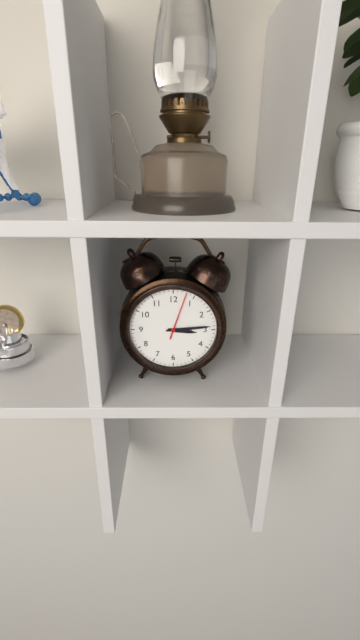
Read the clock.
3:14:03
